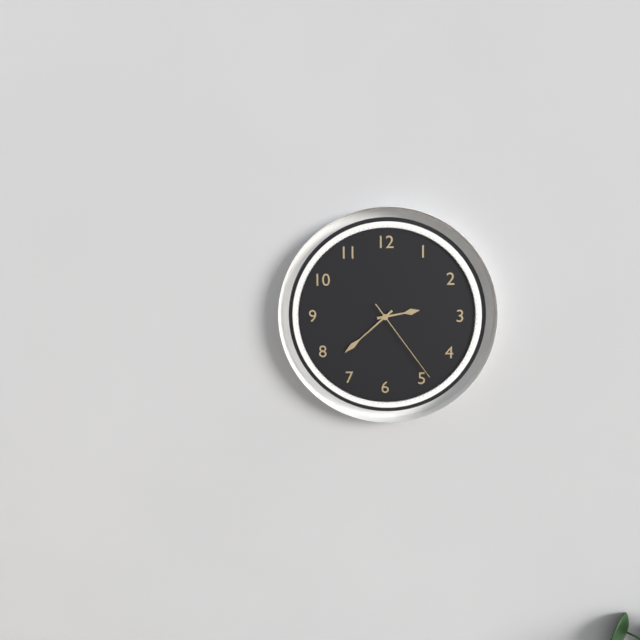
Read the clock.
2:38:24
